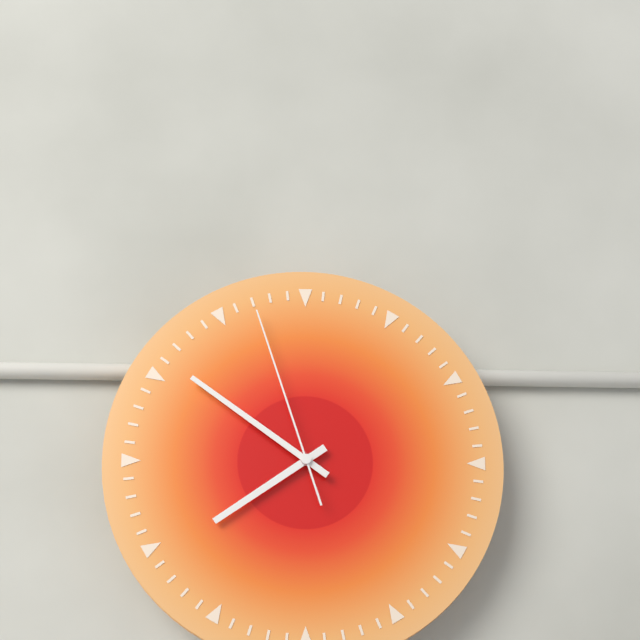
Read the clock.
7:51:57
